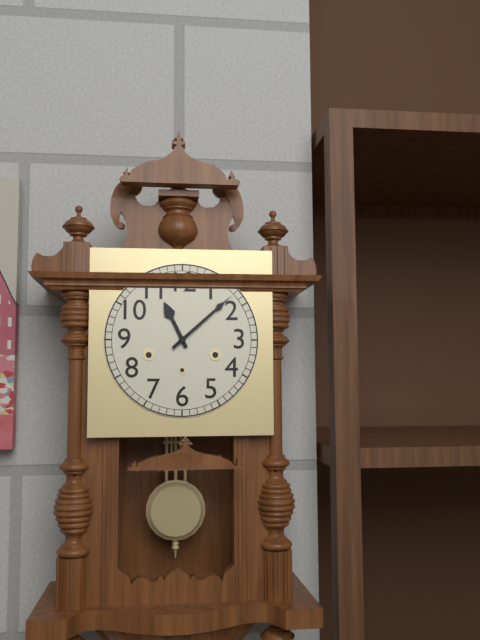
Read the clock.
11:08
